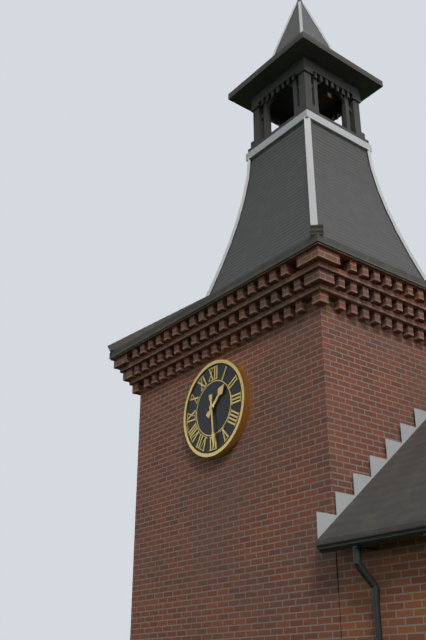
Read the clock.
1:29
